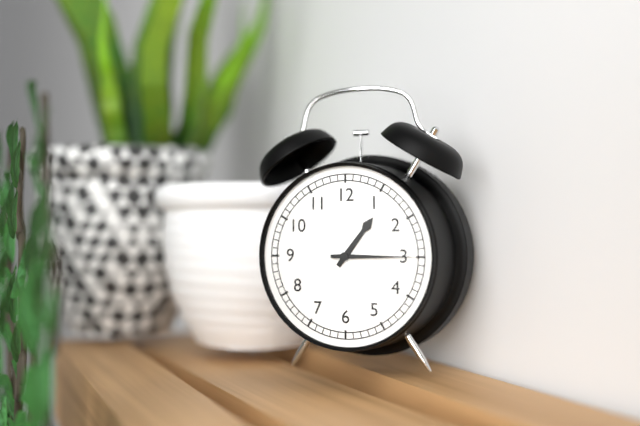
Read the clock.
1:15
